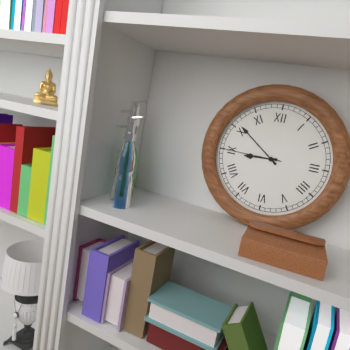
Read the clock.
8:51:45
